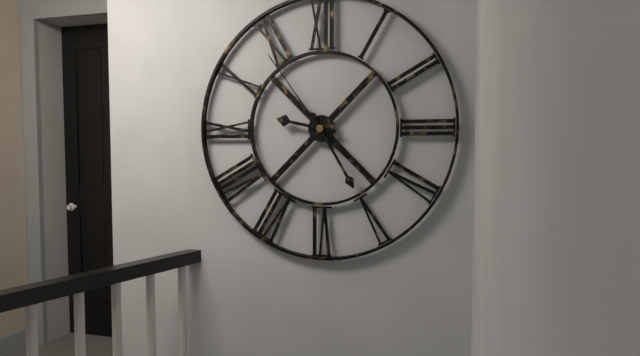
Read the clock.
9:25:54
